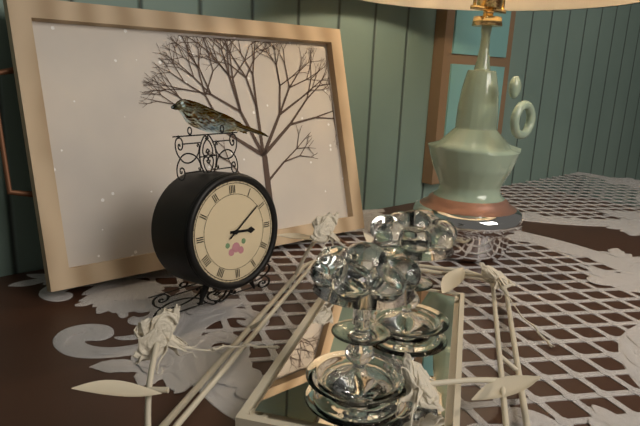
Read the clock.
3:09
